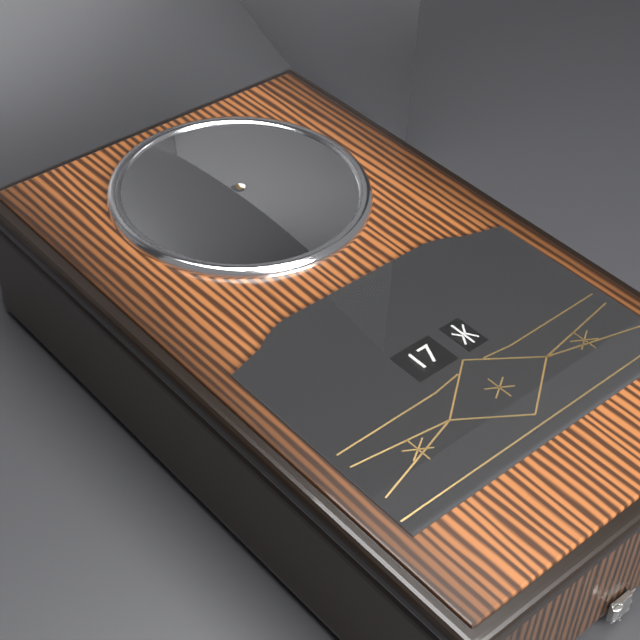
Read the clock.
12:26
